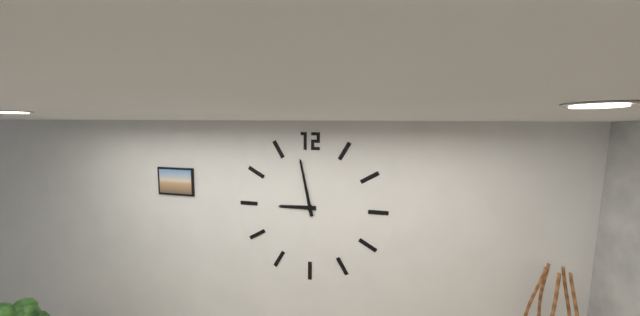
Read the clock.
8:58
